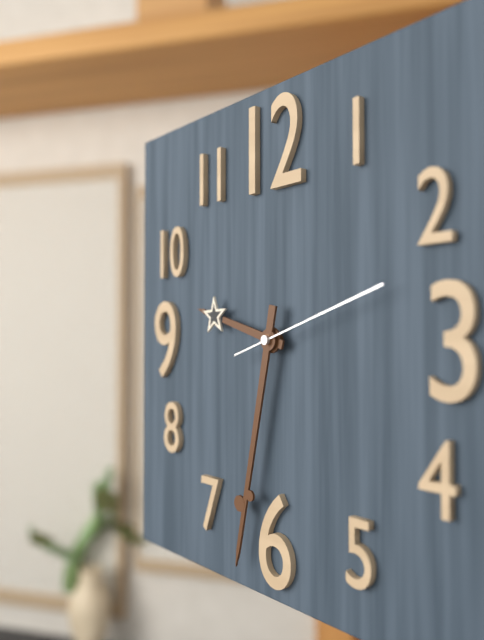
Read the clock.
9:32:12
